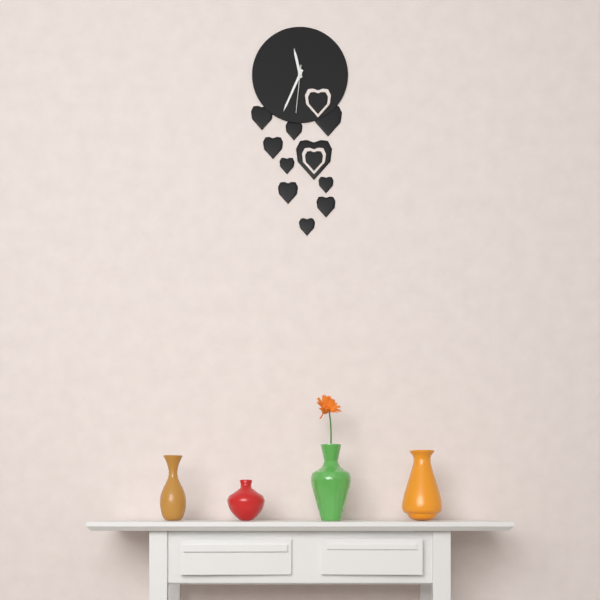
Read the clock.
11:34
